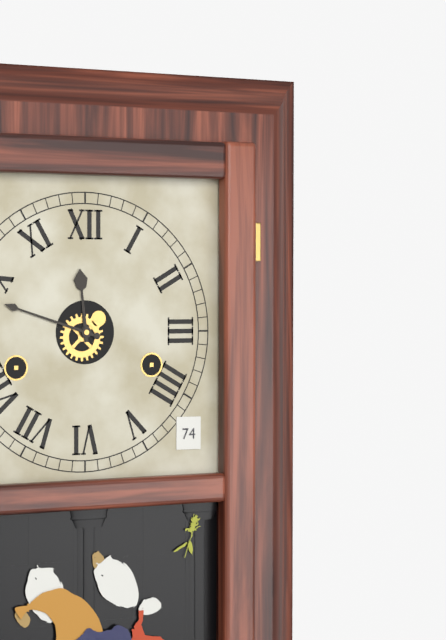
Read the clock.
11:48
